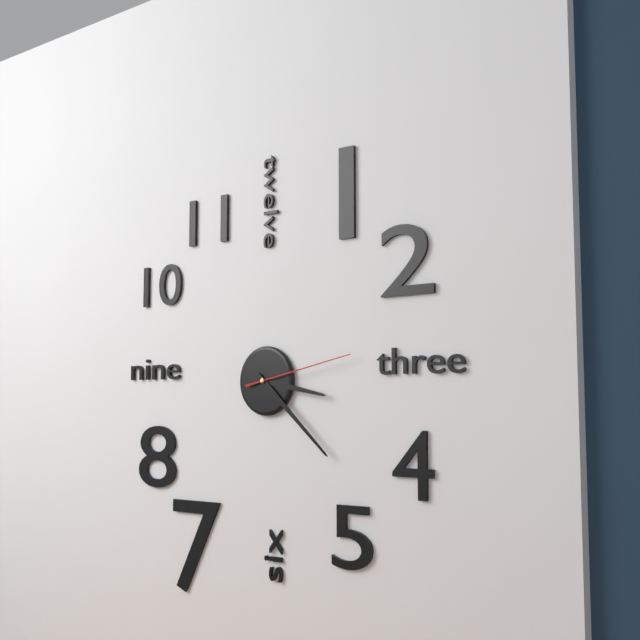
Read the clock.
3:22:13
